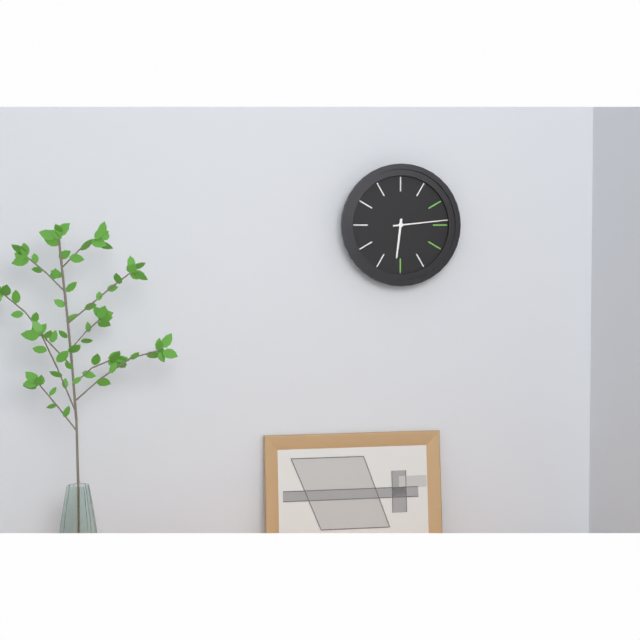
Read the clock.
6:14
